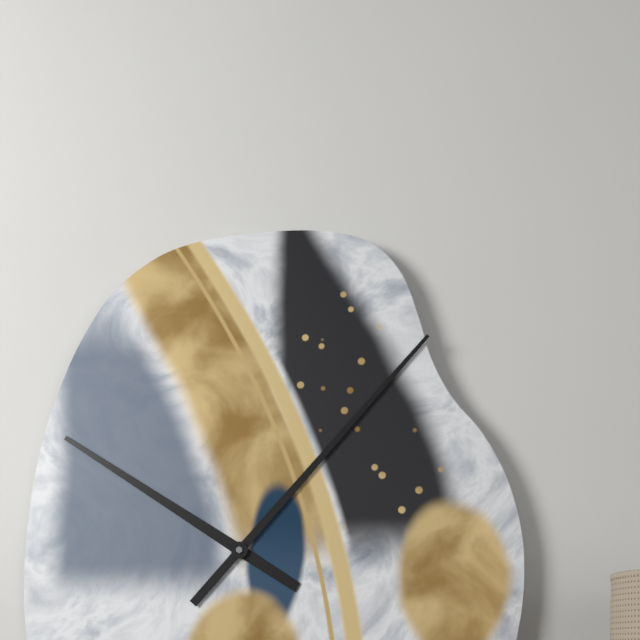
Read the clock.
10:07
